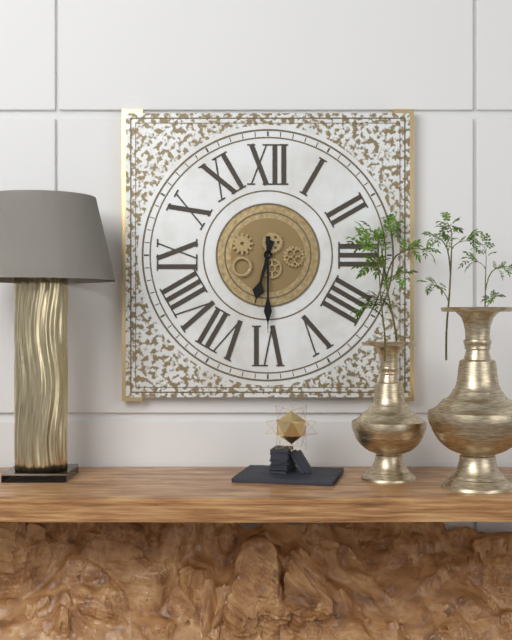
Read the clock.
6:30
